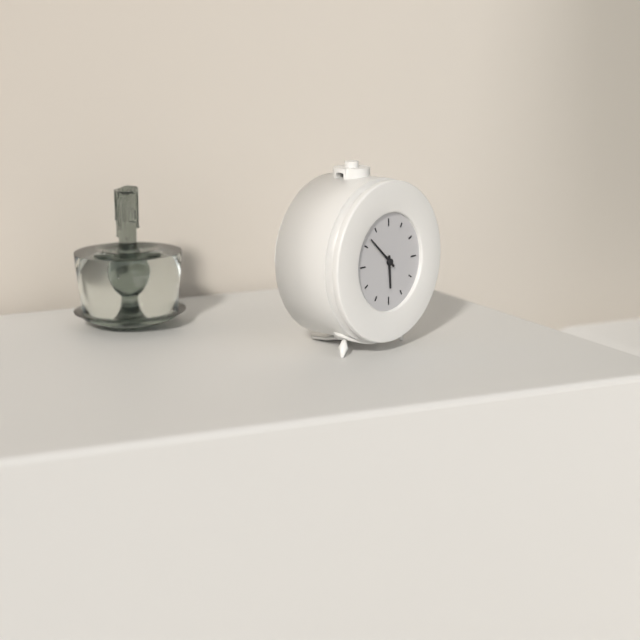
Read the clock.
5:52
